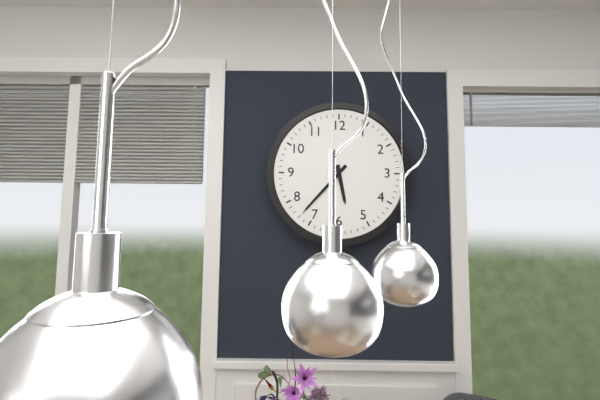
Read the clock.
5:37
